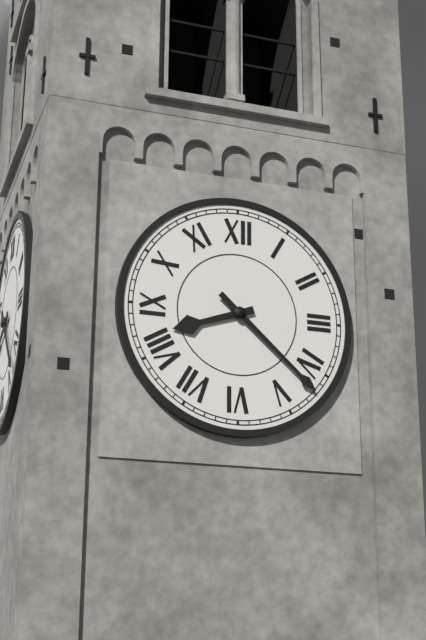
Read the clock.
8:22
